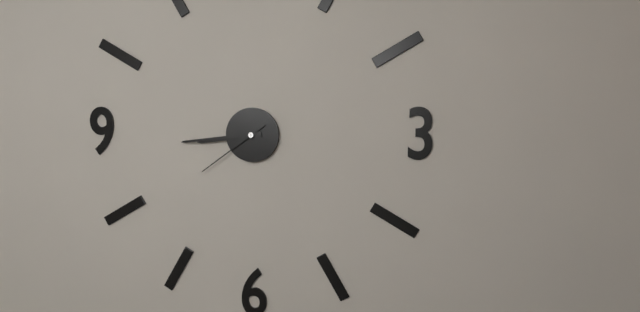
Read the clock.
8:44:39
